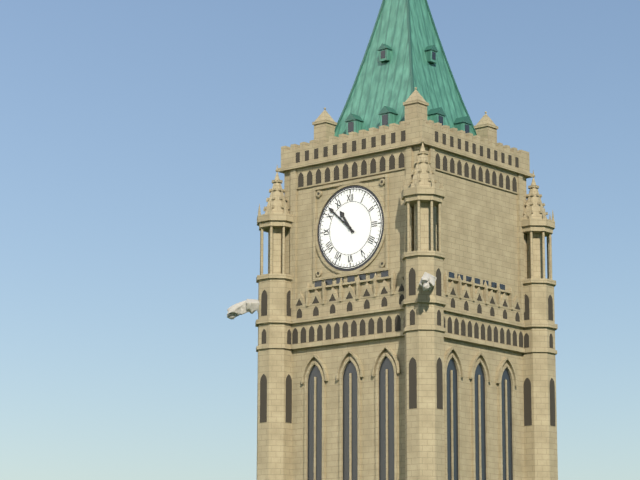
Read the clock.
10:52
